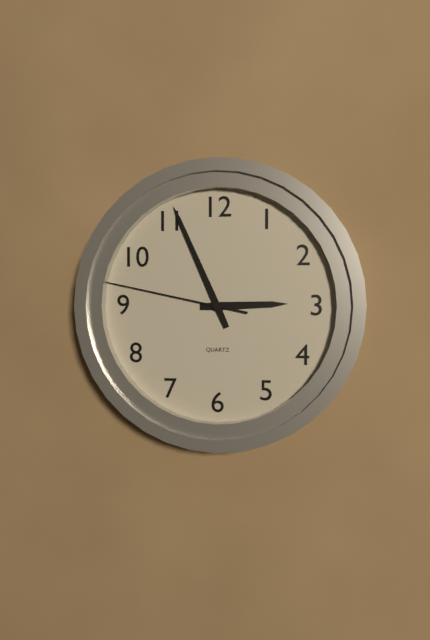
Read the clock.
2:56:47
